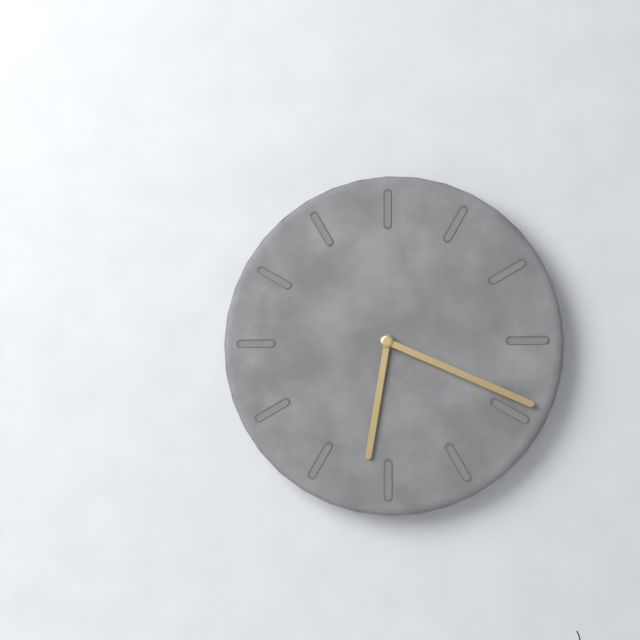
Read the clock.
6:19
